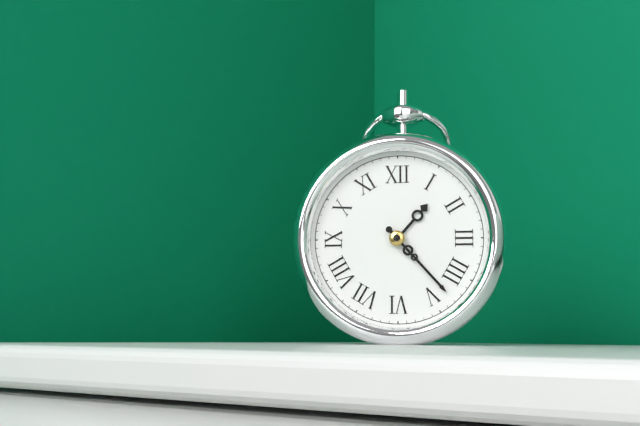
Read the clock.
1:23
